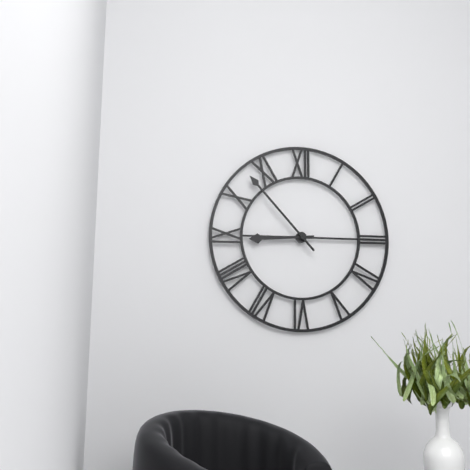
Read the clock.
8:53
